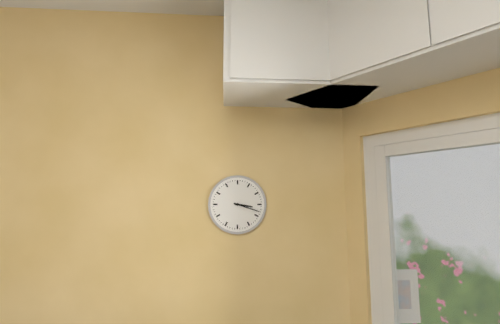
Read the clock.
3:18
